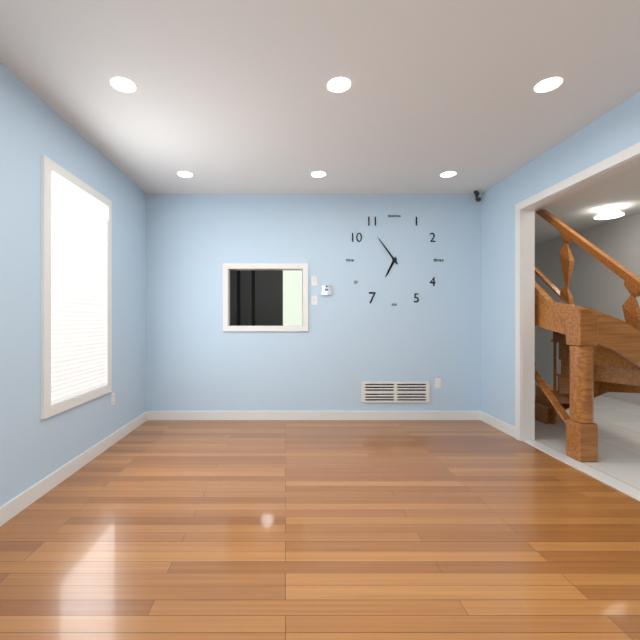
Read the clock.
6:54
